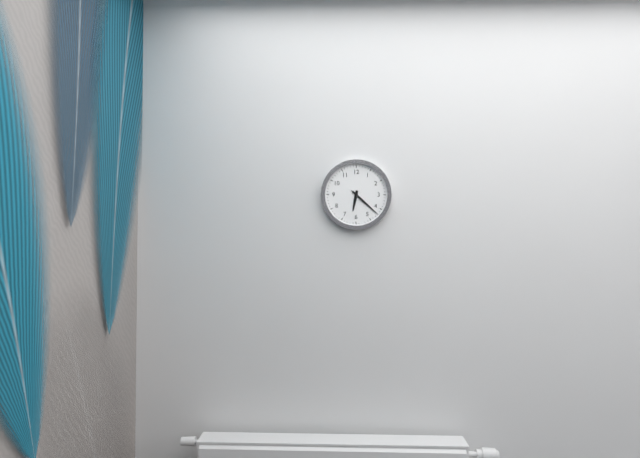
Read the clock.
6:22
